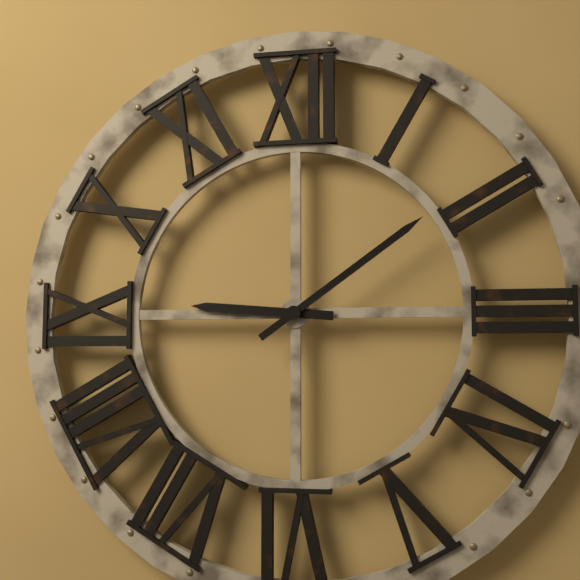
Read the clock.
9:09
